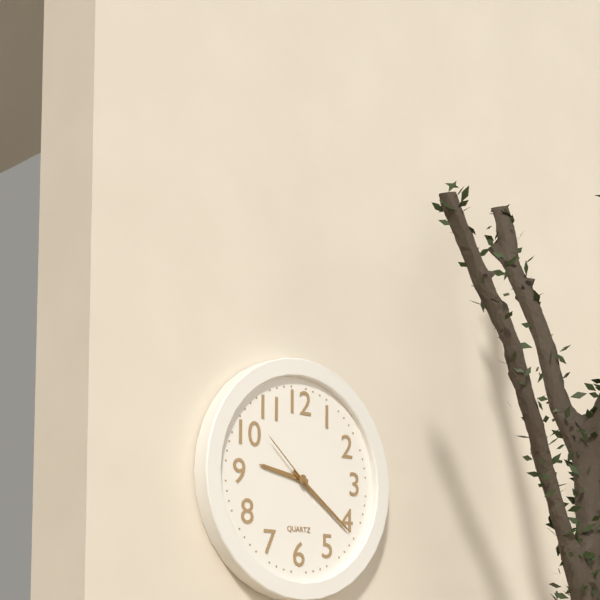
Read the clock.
9:21:52
